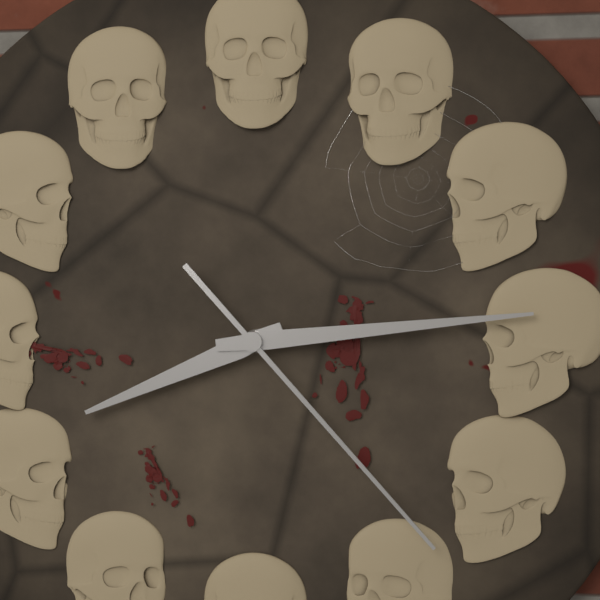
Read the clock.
8:14:23
